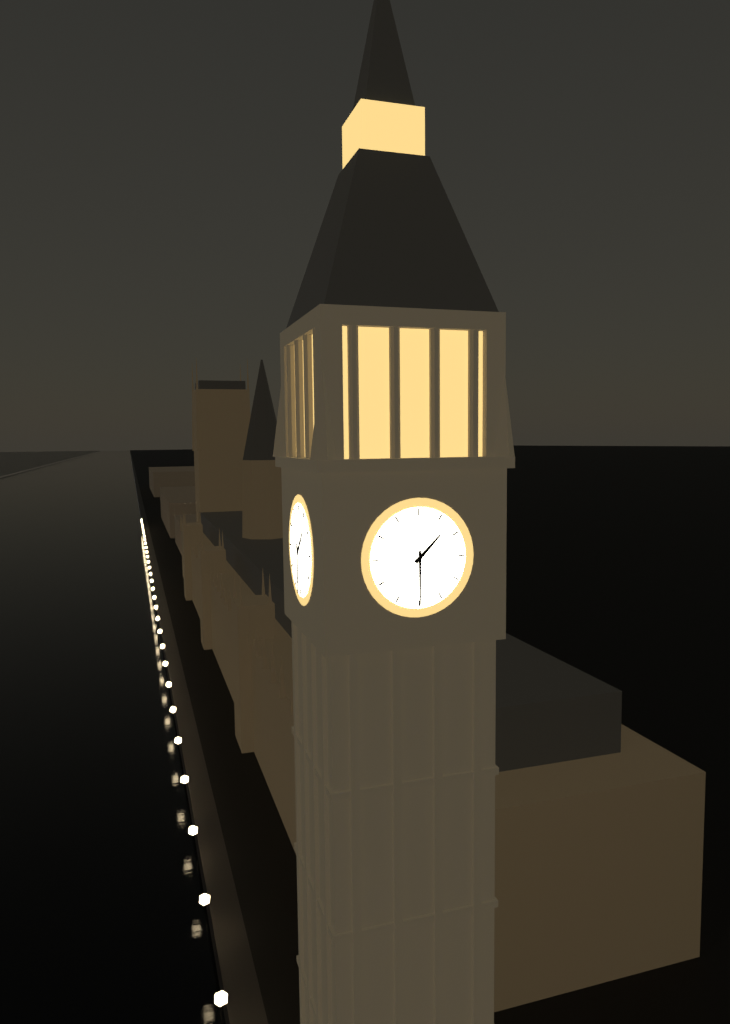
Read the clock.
1:30
